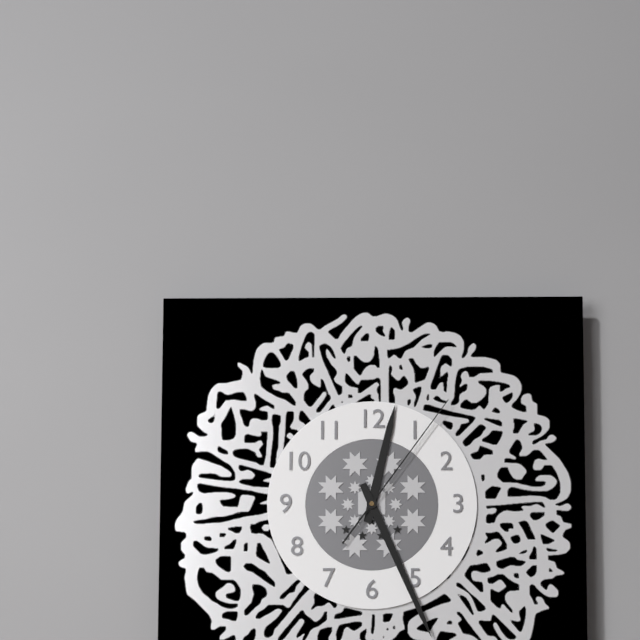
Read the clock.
12:26:06
